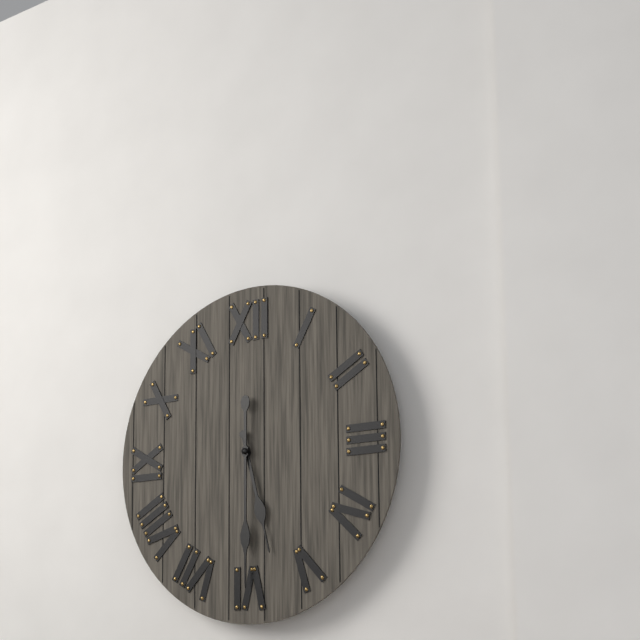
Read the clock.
5:30
